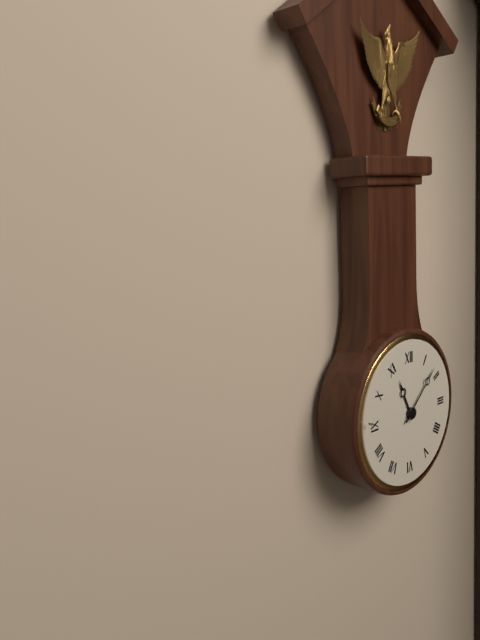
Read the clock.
11:08
